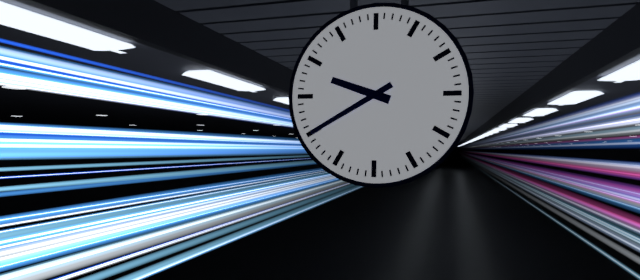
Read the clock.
9:40
